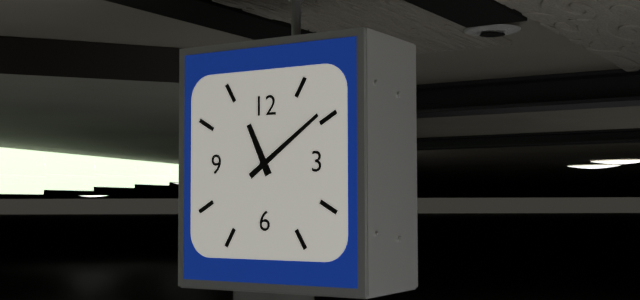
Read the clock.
11:09
